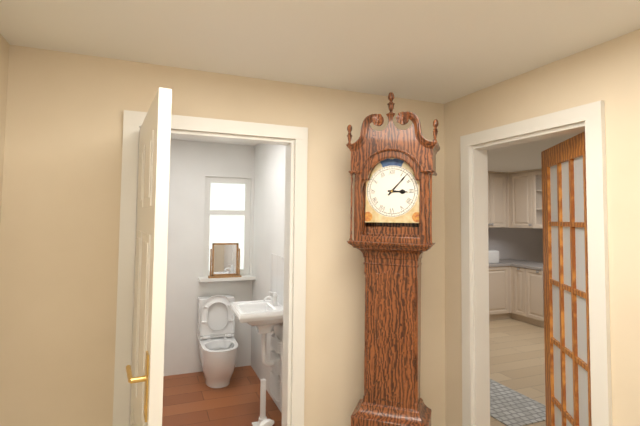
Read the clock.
3:07
